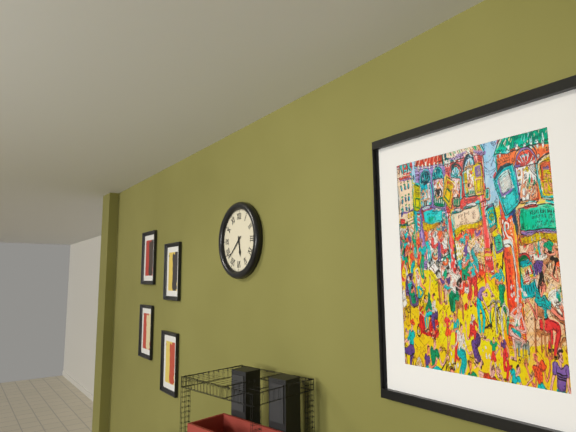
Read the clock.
5:38
